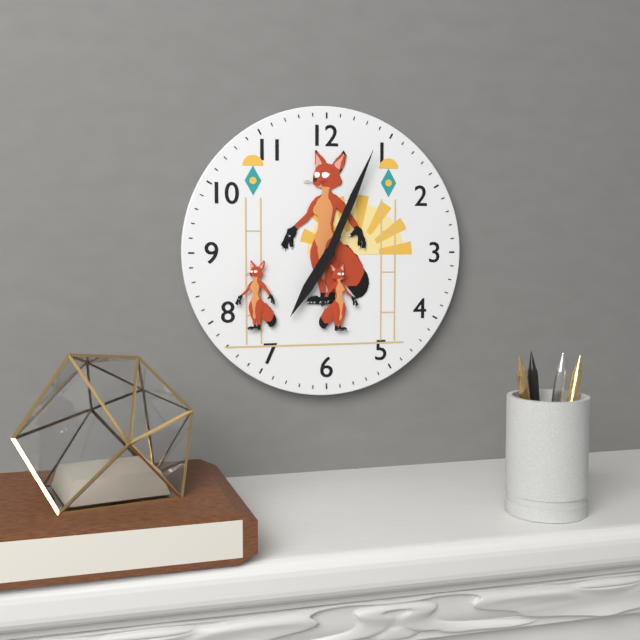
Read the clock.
7:04
